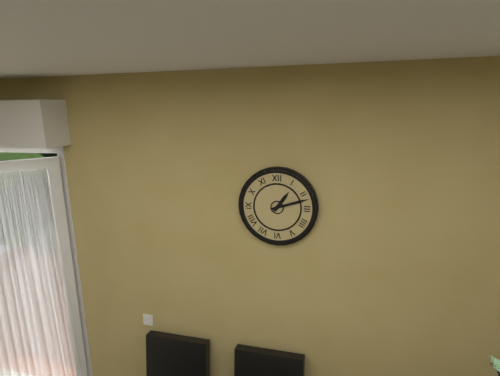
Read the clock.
1:12
